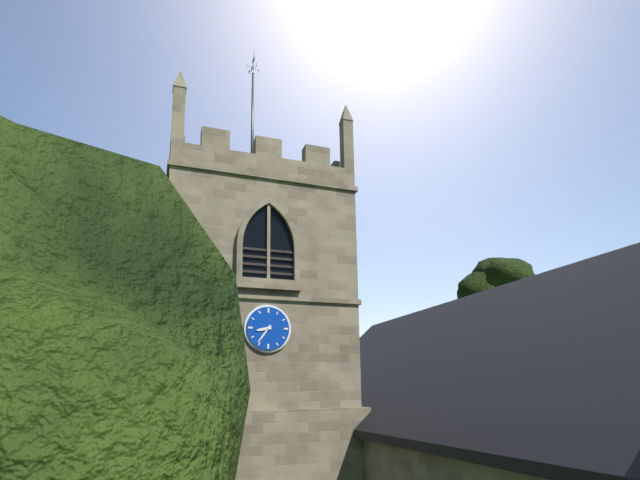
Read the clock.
8:36
